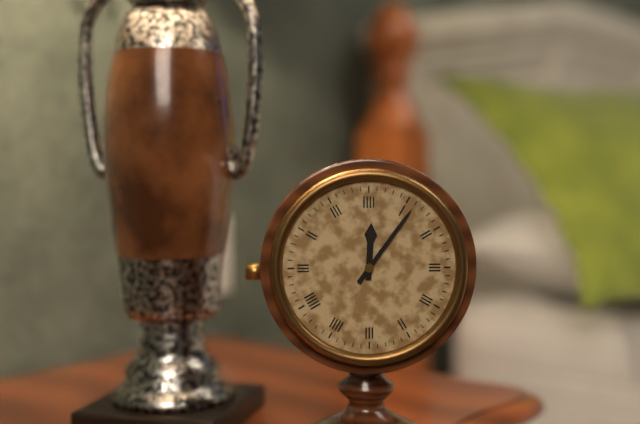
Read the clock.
12:06
